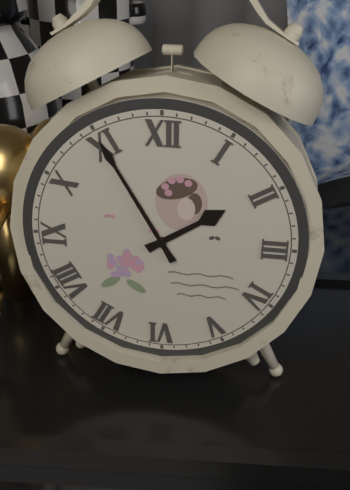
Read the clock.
1:55
